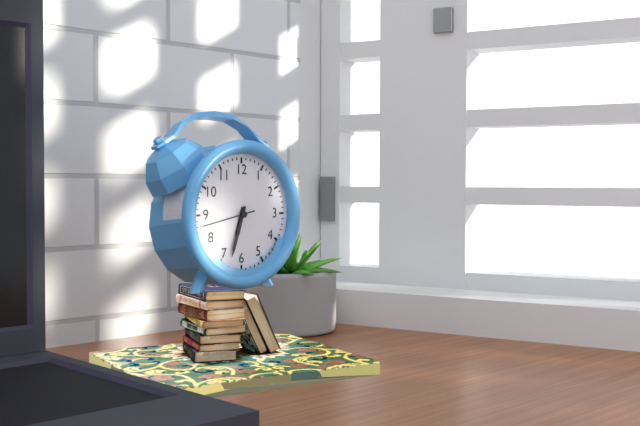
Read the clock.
6:33:43
